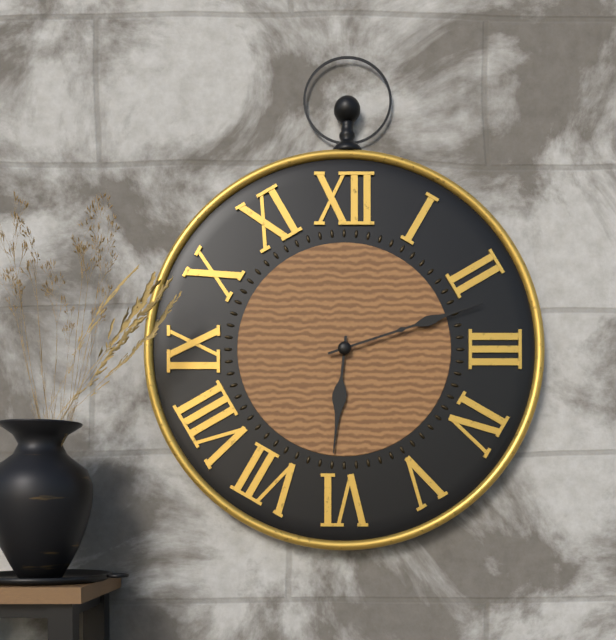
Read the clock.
6:12
